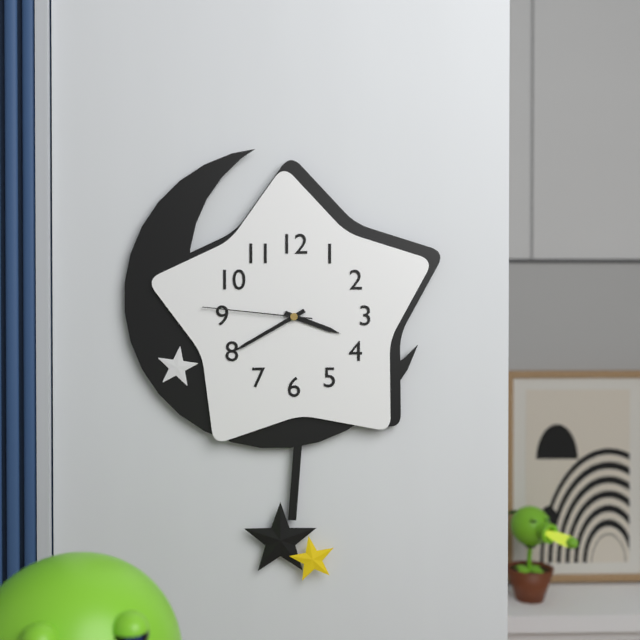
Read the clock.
3:40:46
